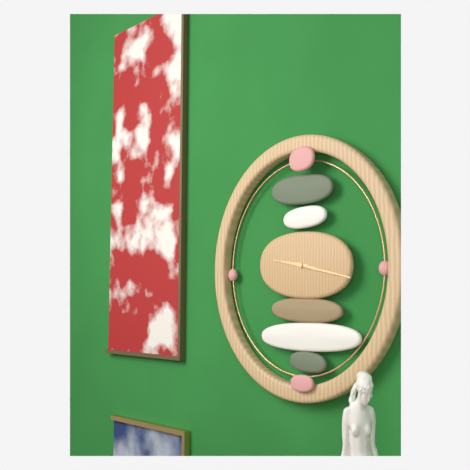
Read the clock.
9:17
